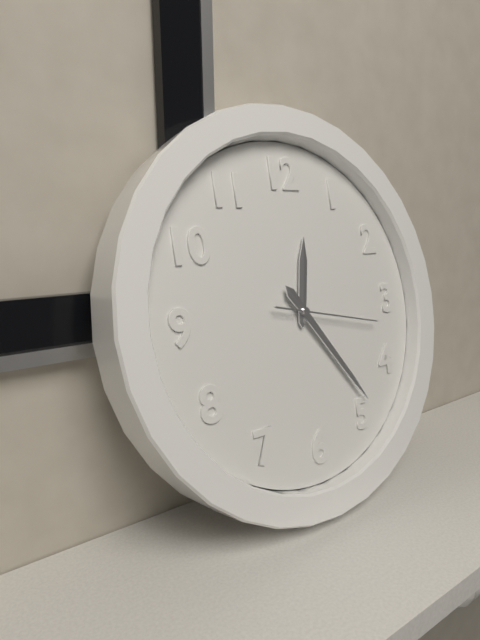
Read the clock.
12:24:17
